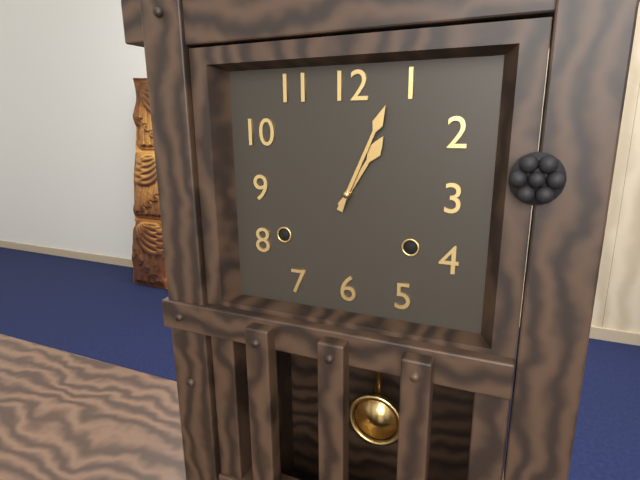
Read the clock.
1:04
